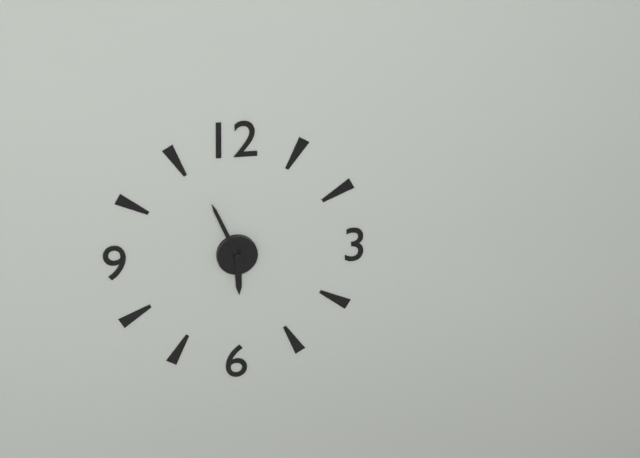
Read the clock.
5:56
